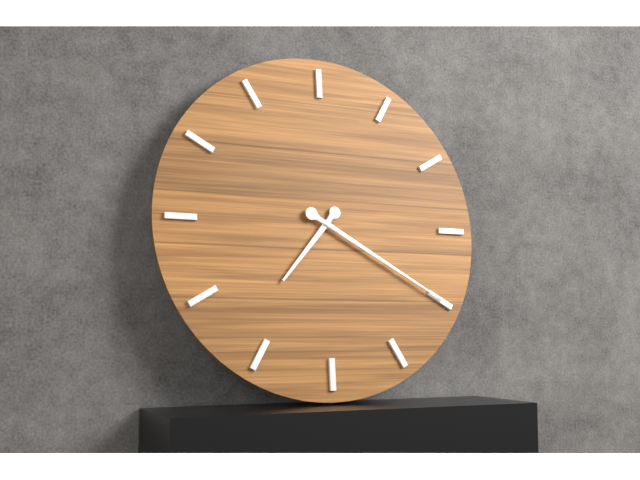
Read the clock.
7:20
